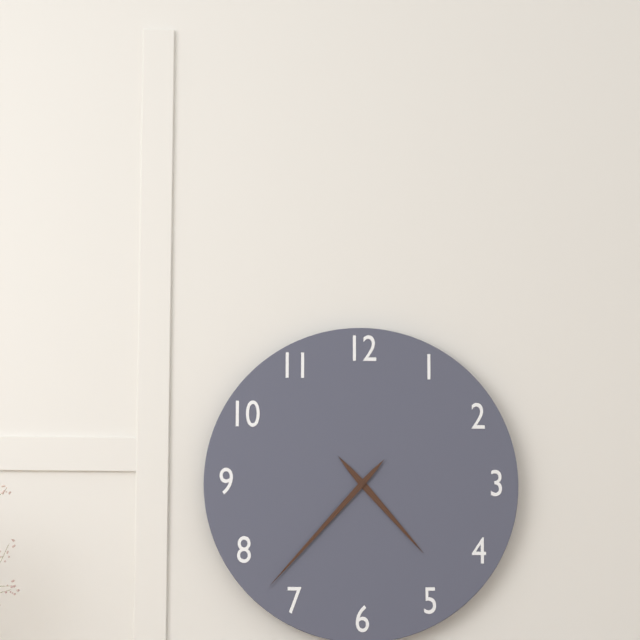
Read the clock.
4:37
